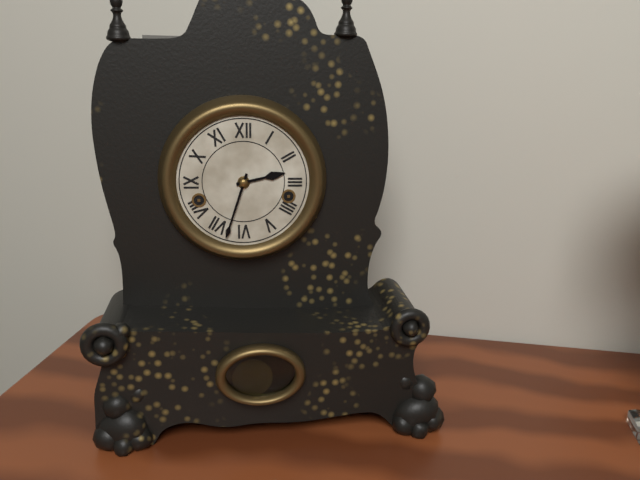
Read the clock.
2:33
